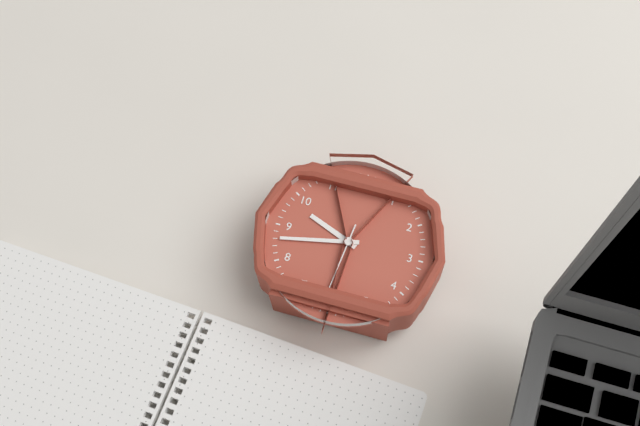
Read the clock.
9:43
